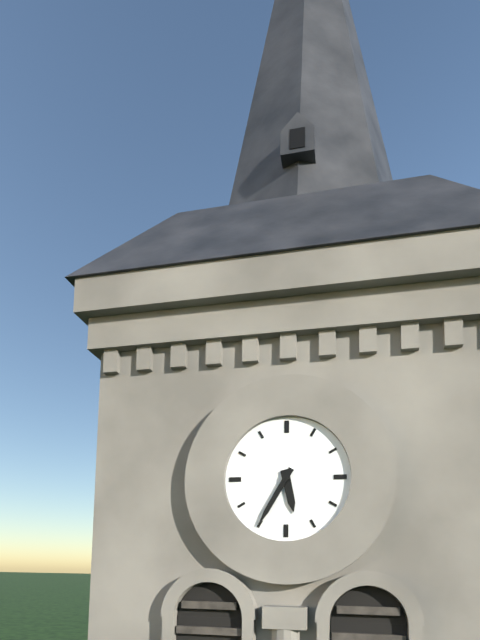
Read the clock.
5:35
